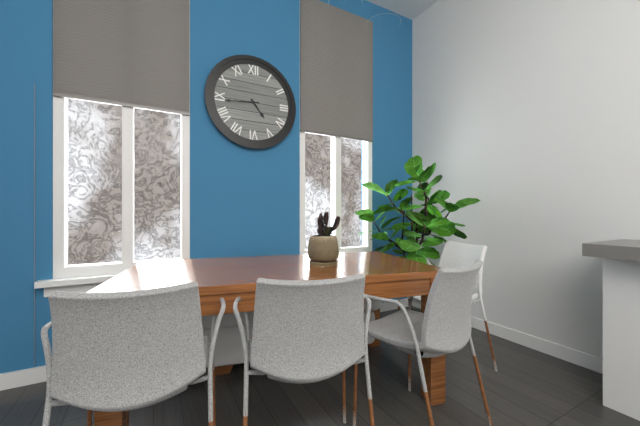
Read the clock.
4:44
